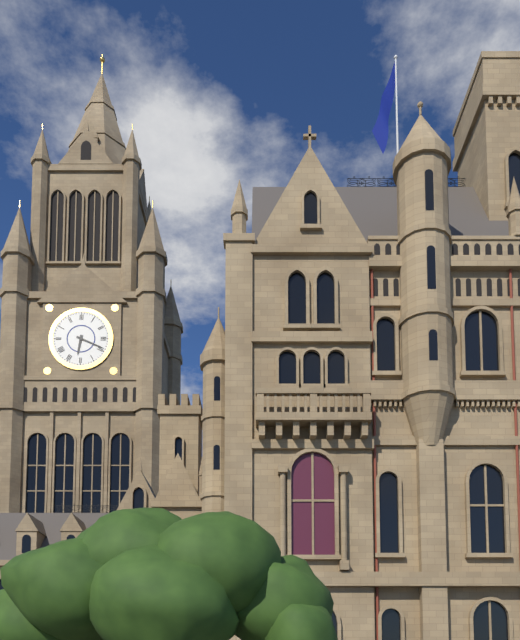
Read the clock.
6:19
